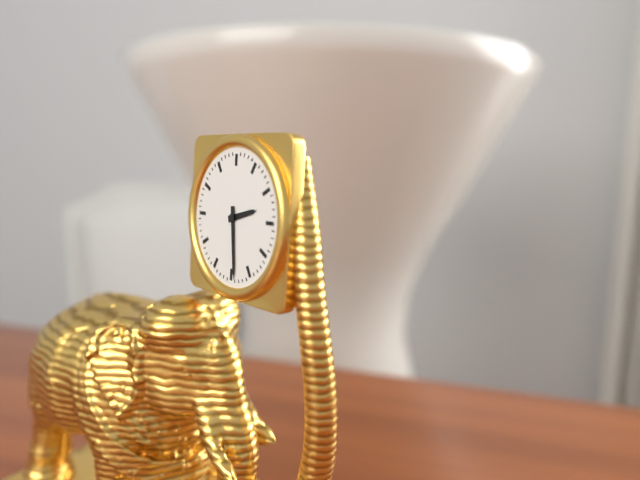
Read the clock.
2:29
